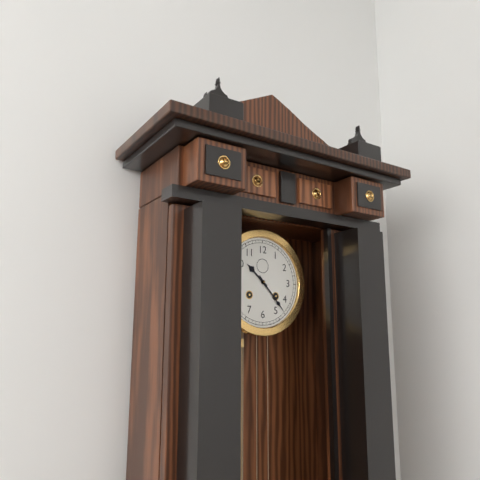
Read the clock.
10:23
